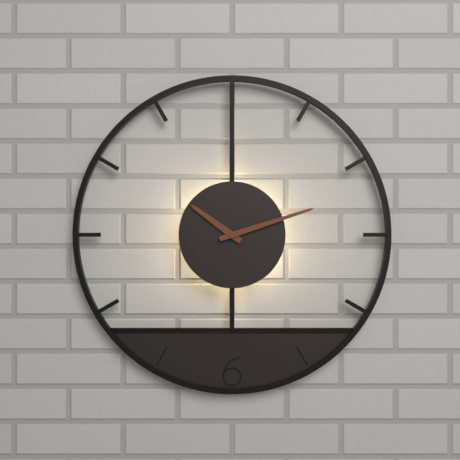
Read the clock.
10:12
